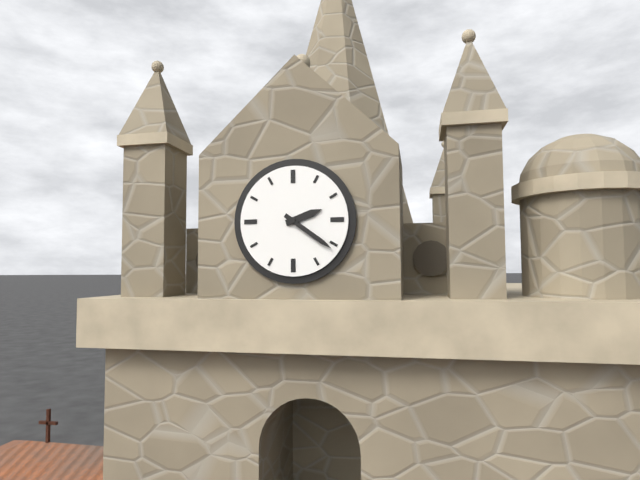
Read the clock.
2:21
